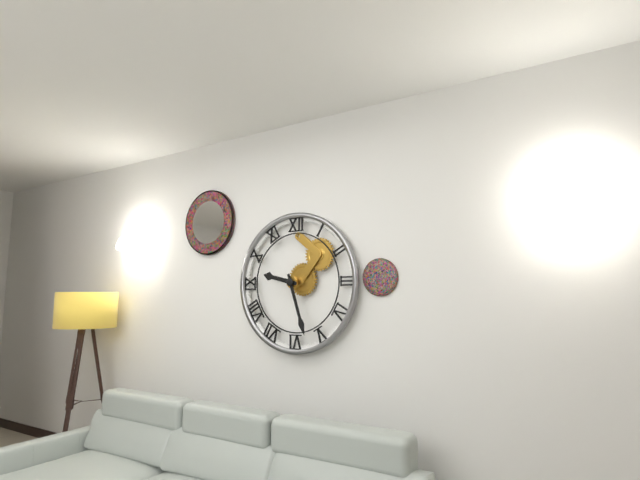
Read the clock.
9:27
